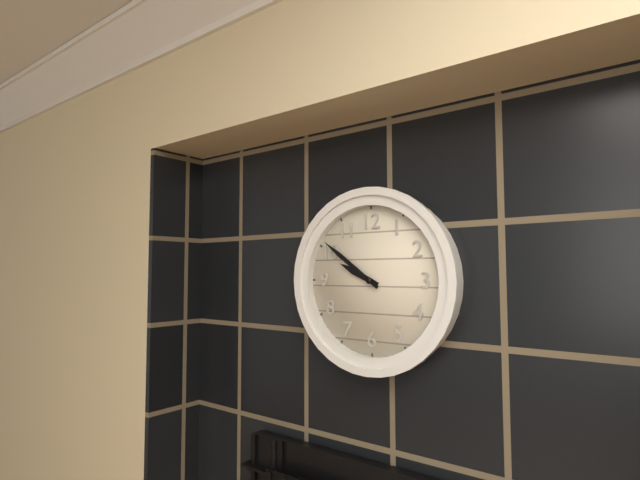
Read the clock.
9:51
